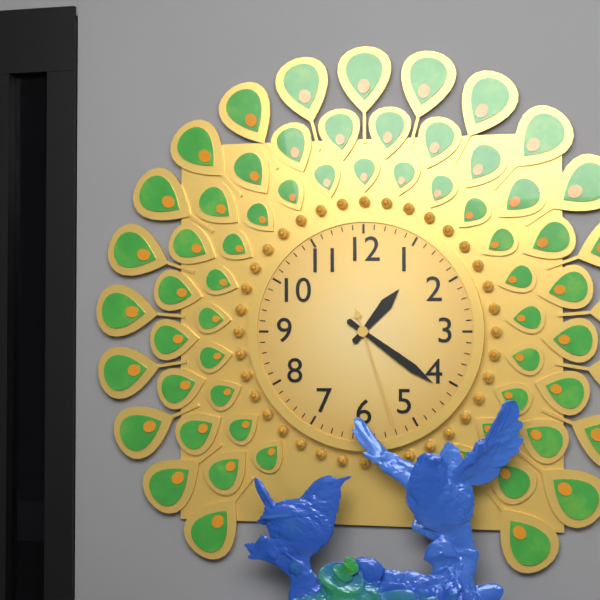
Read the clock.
1:21:27
